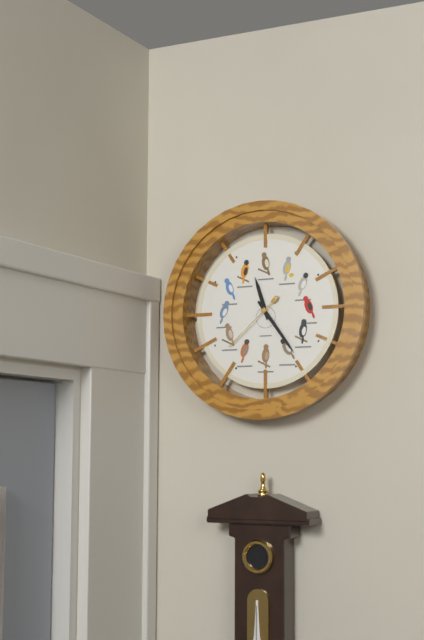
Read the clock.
11:24:38
